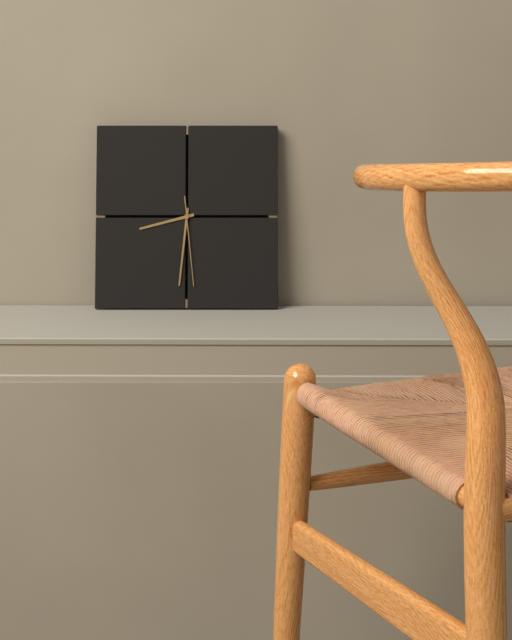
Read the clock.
8:31:29
